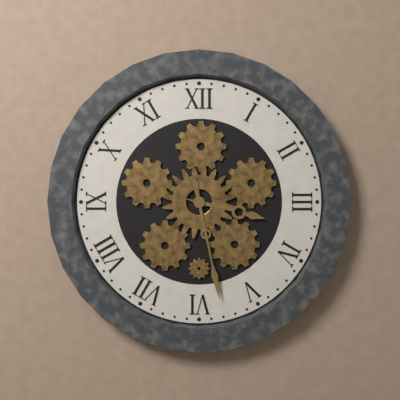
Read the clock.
3:28
